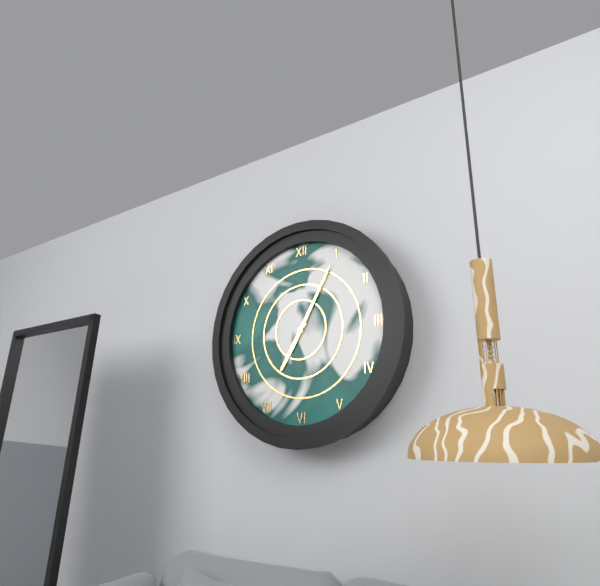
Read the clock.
7:05
